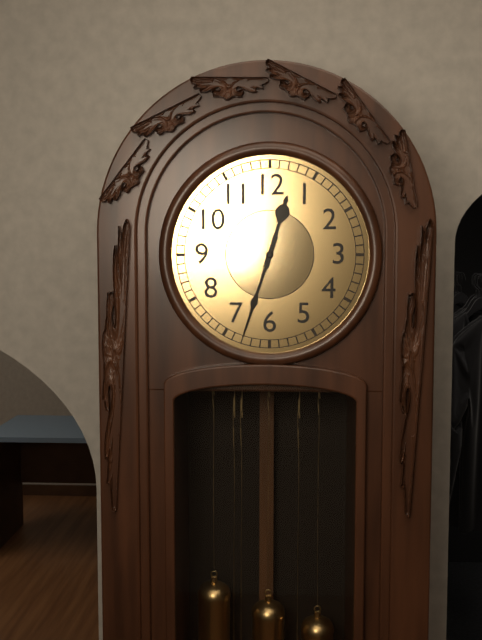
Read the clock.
12:33
